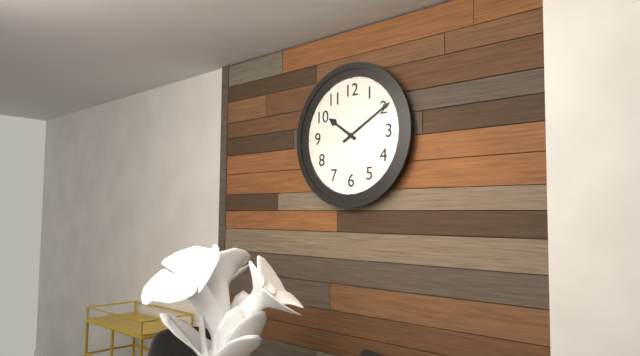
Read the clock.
10:10
